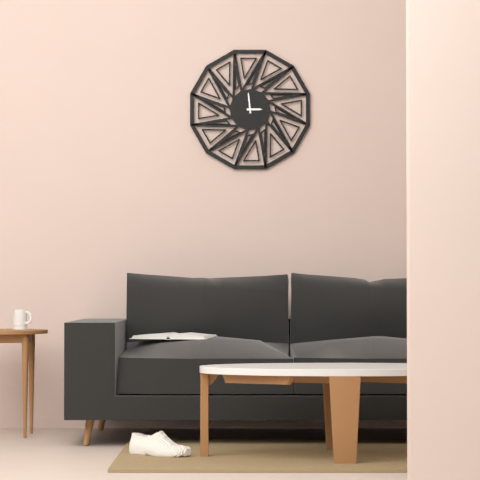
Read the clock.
2:59
